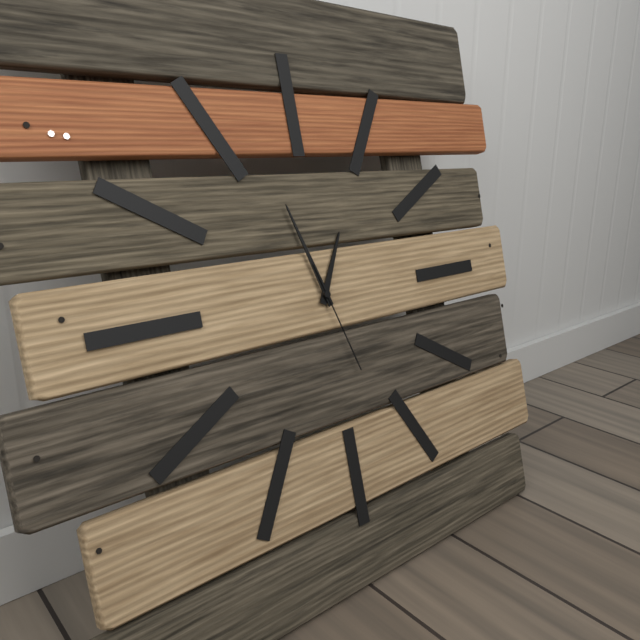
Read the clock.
12:57:27
